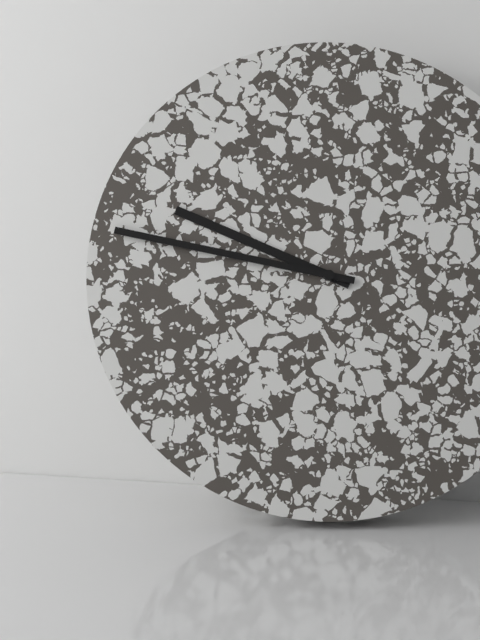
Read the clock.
9:47
